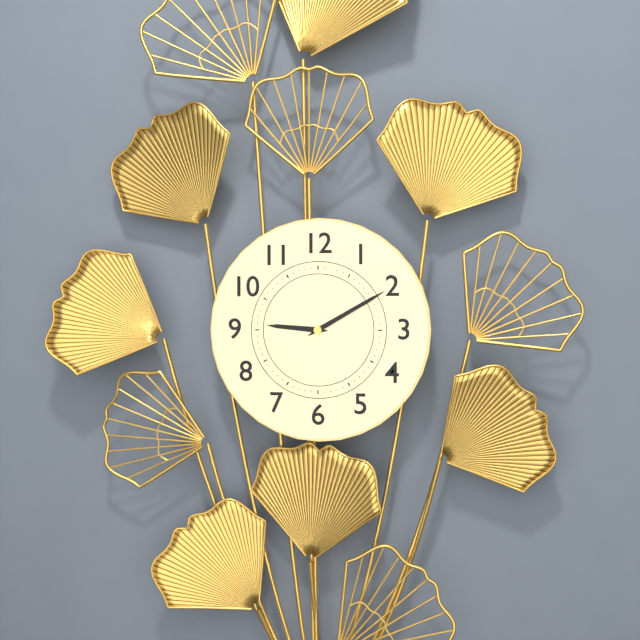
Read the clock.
9:10
